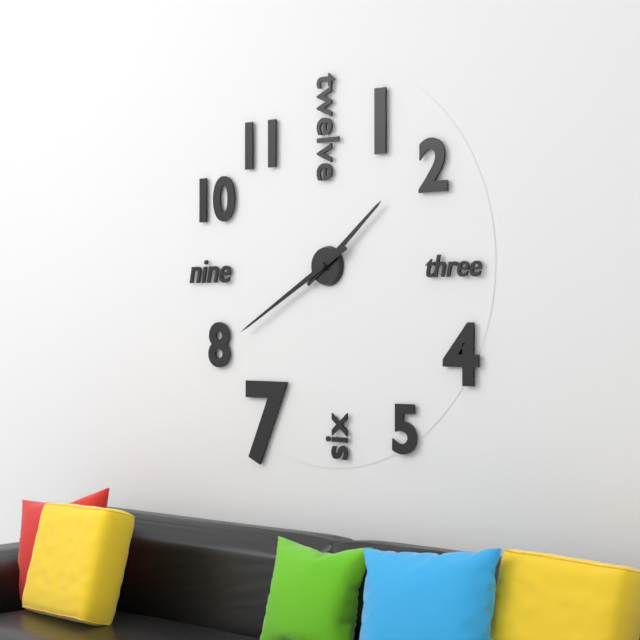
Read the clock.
1:40
